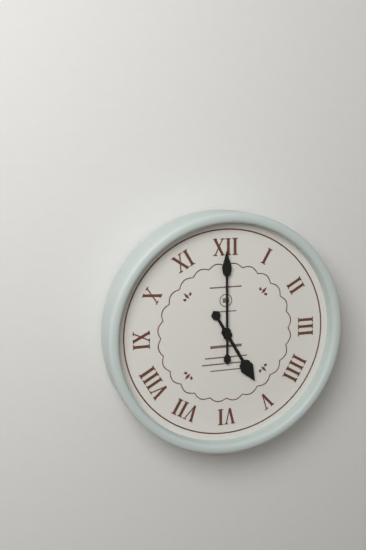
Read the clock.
5:00
